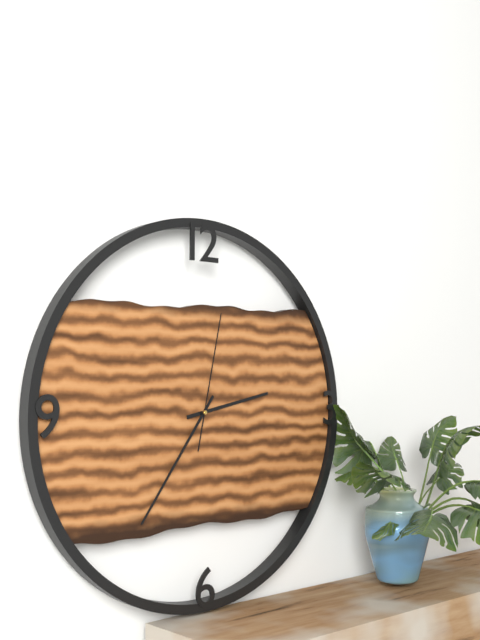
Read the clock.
2:36:02
